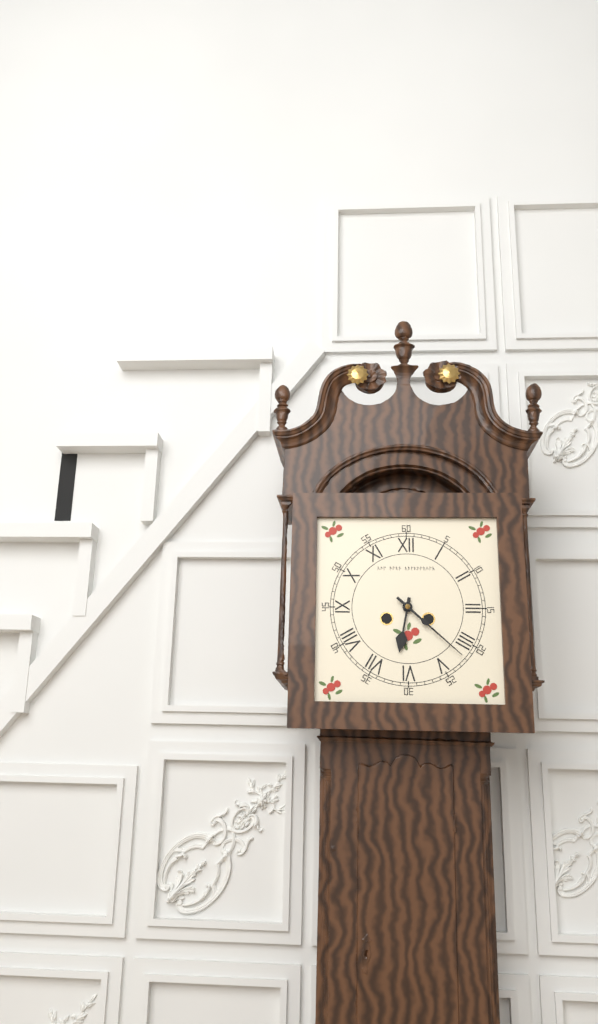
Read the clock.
6:22
